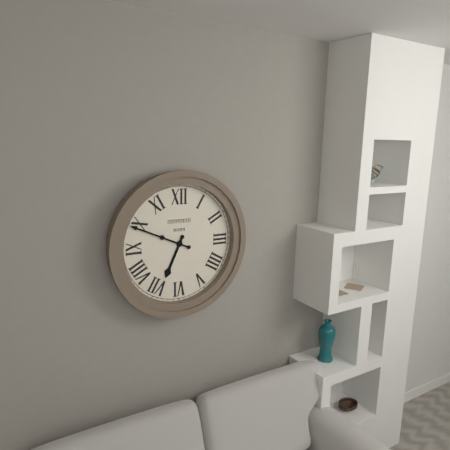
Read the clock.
6:49
